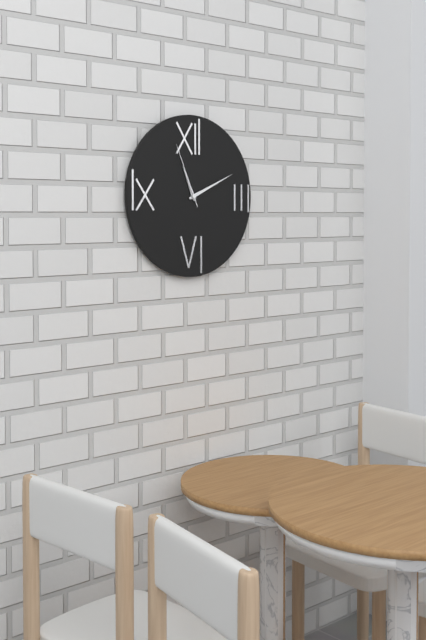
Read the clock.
11:11:56
